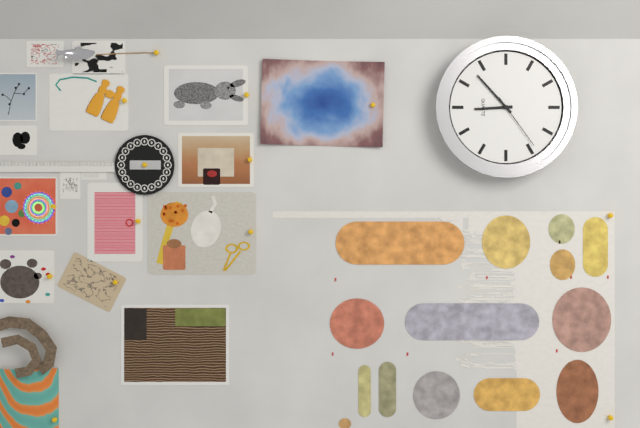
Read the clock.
8:53:24
